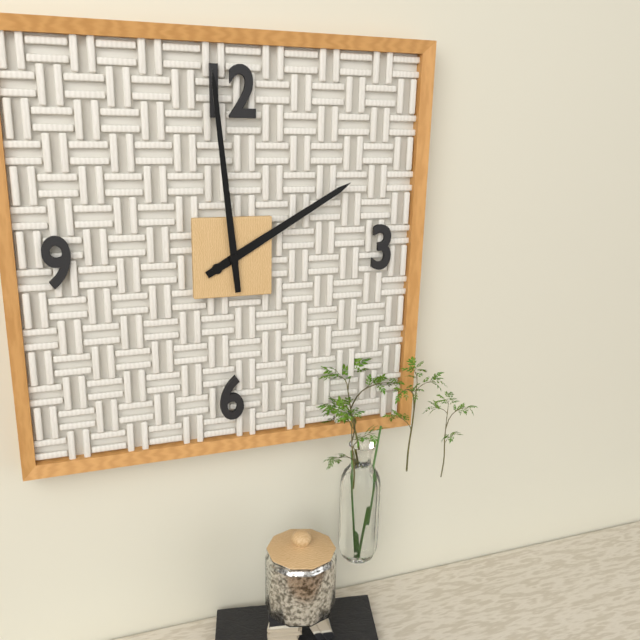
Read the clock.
1:59
